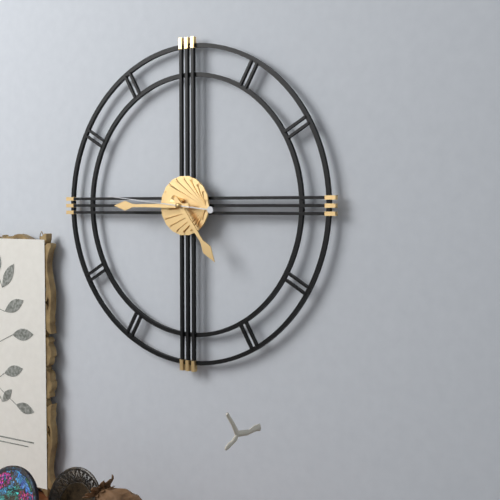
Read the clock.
4:45:46
